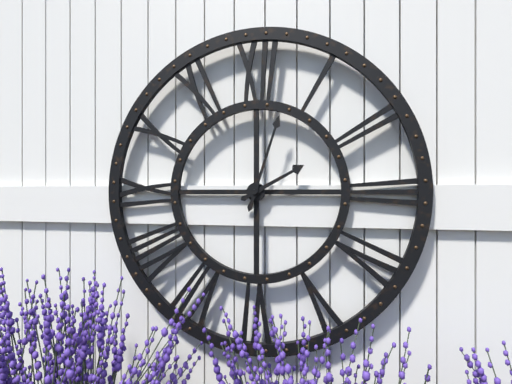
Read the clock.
2:03
